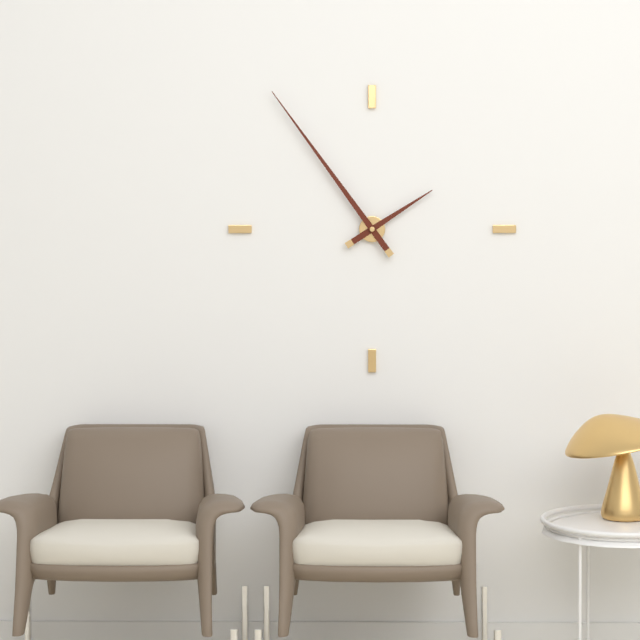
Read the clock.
1:54
